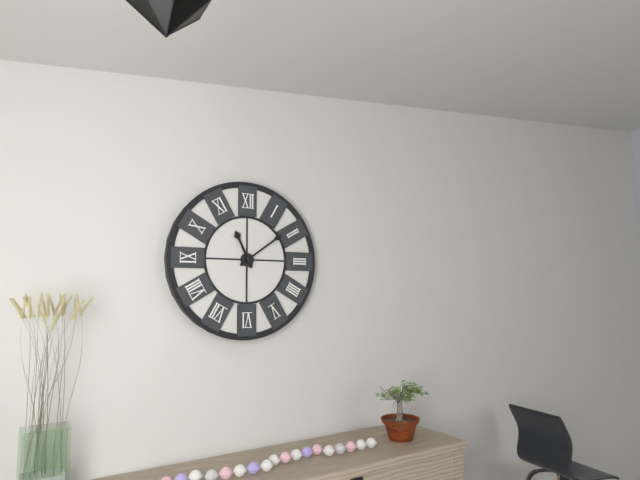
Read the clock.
11:09
